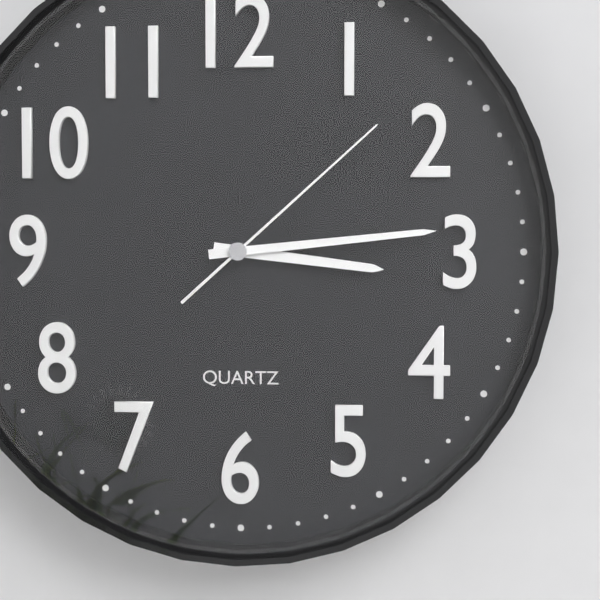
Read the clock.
3:14:08
